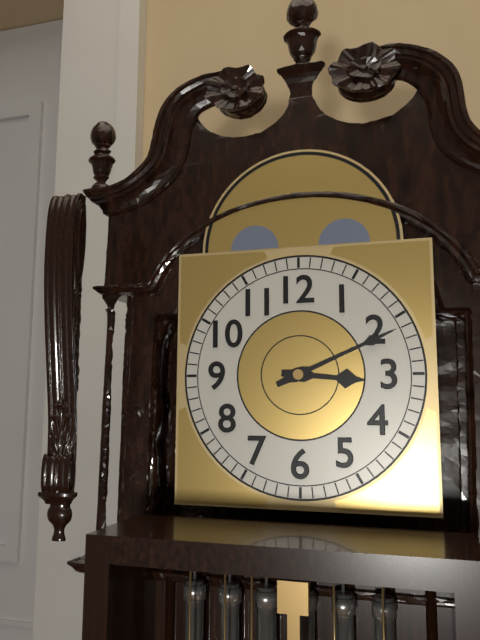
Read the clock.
3:11
